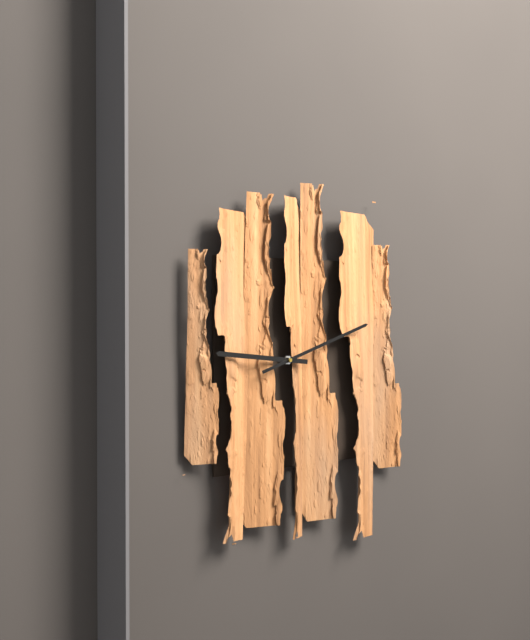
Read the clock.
9:12
